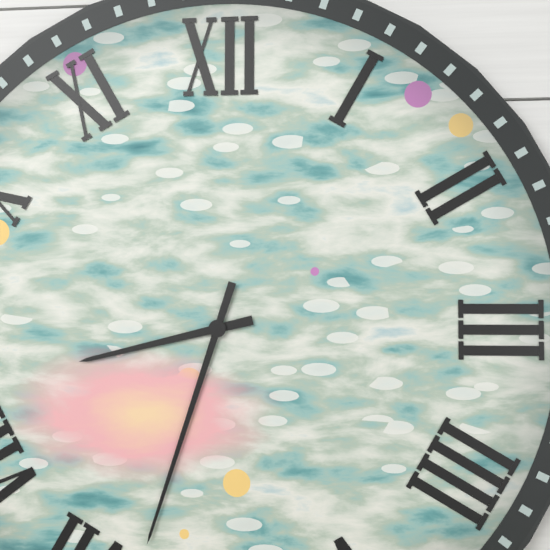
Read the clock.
8:33
